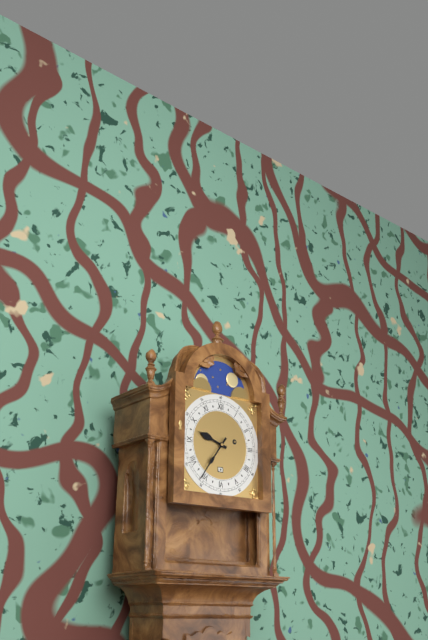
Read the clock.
9:36
